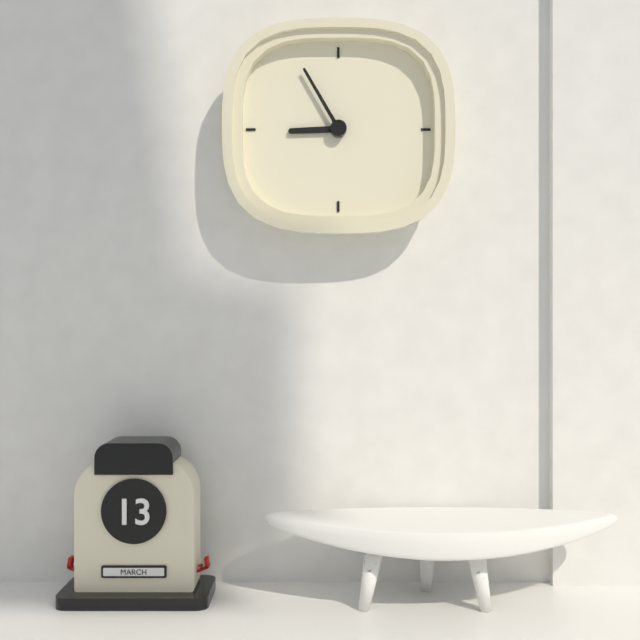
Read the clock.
8:55
